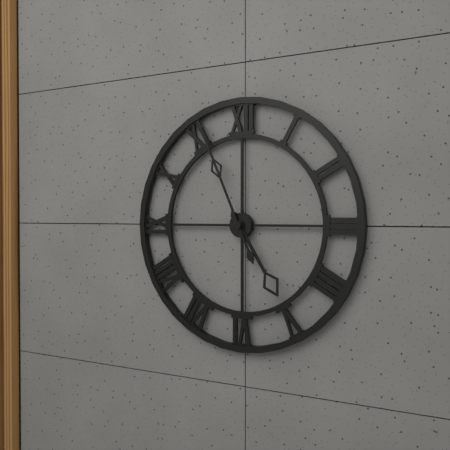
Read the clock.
4:56
